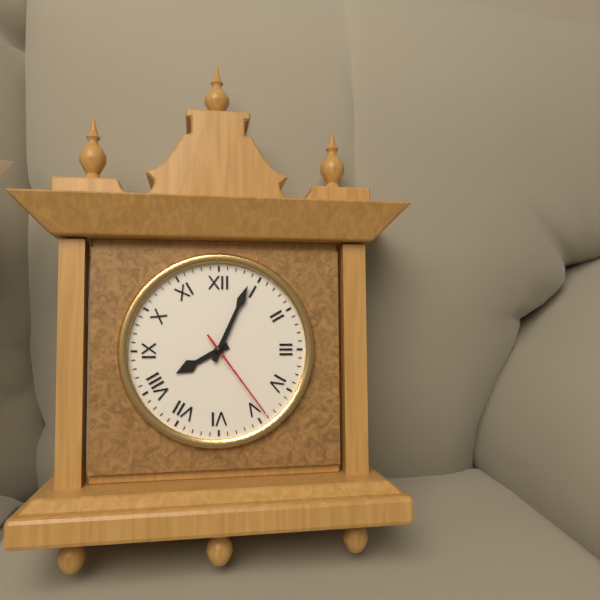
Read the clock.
8:04:24
